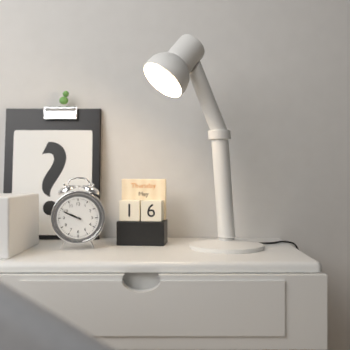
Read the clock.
9:49
